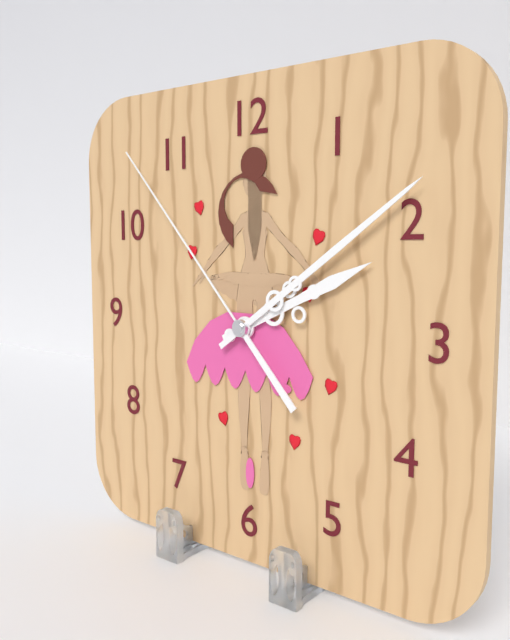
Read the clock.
2:09:53
